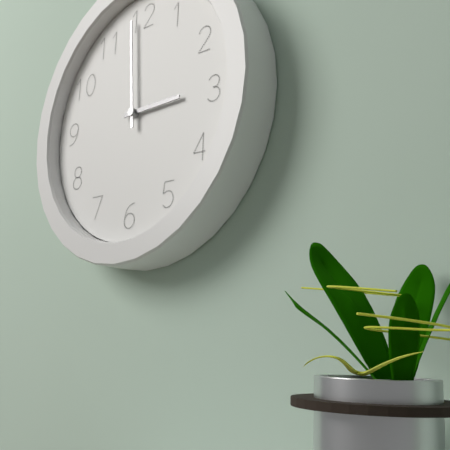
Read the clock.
2:59
